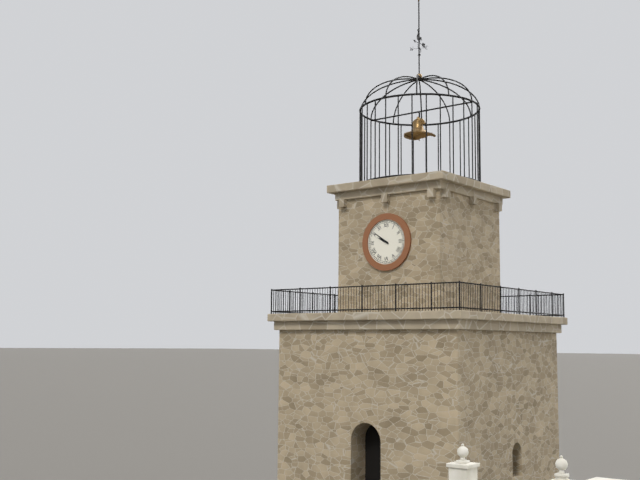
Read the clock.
9:51
